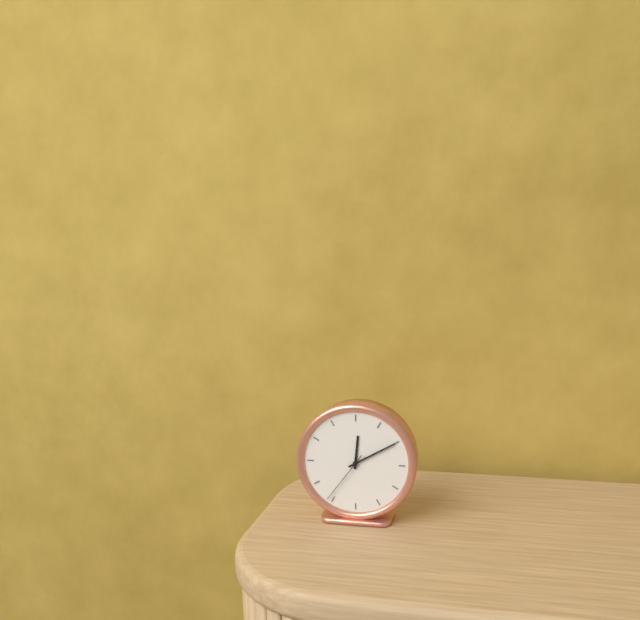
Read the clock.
12:10:36
